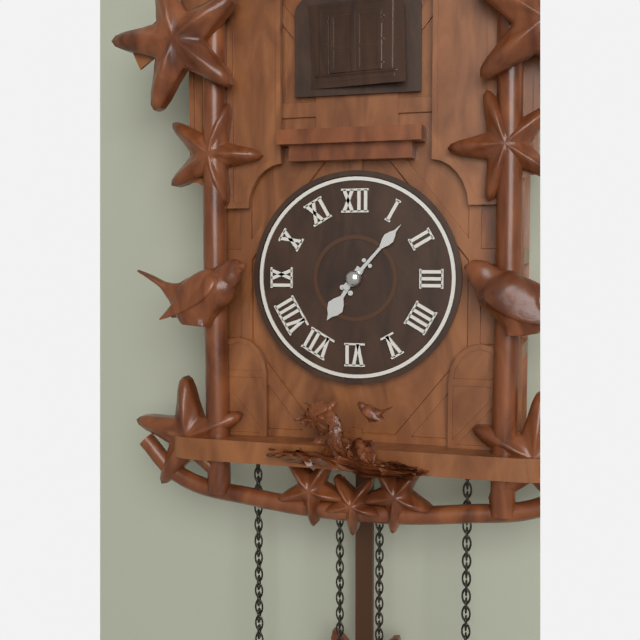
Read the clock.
7:07
